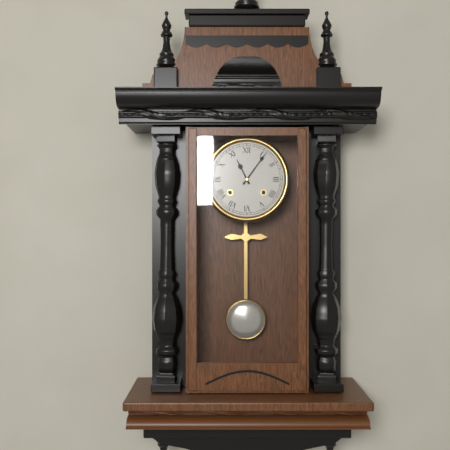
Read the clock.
11:06
